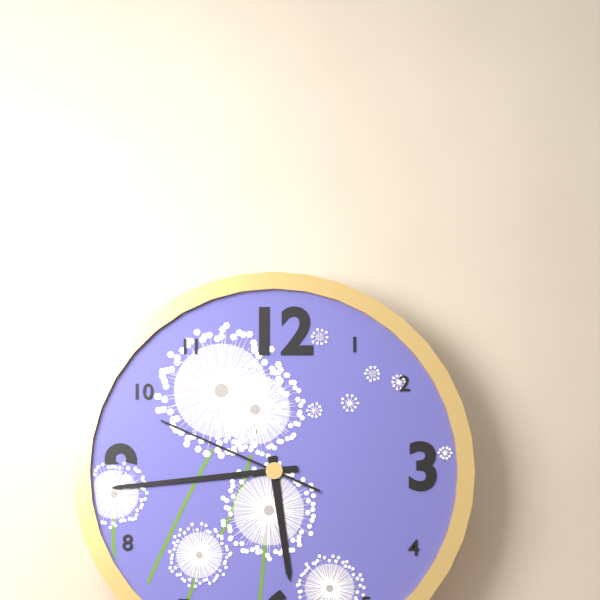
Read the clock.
5:44:49
